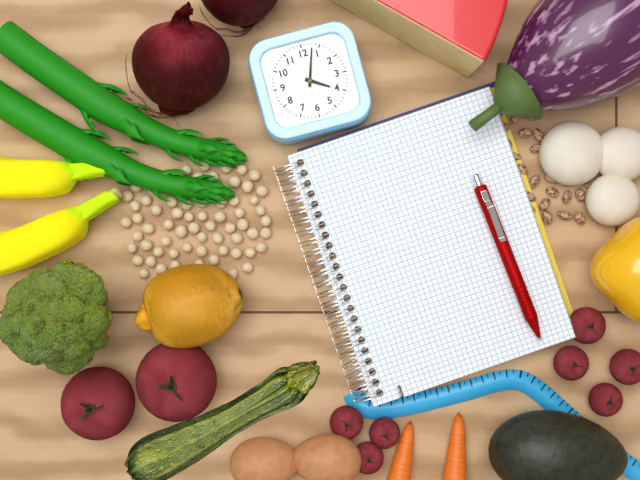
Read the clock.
4:03
